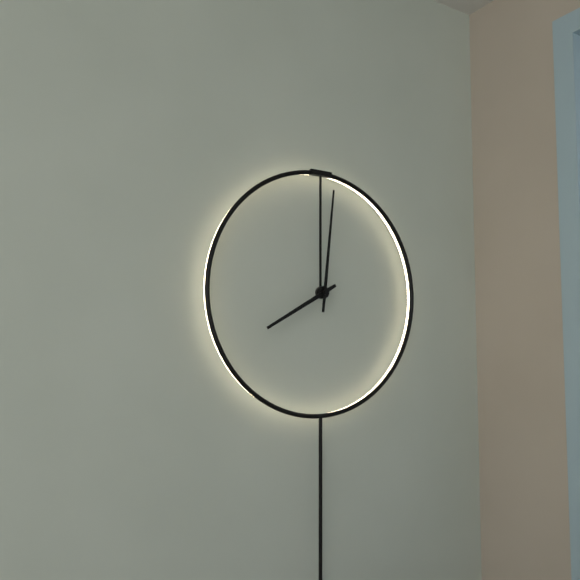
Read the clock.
8:01
